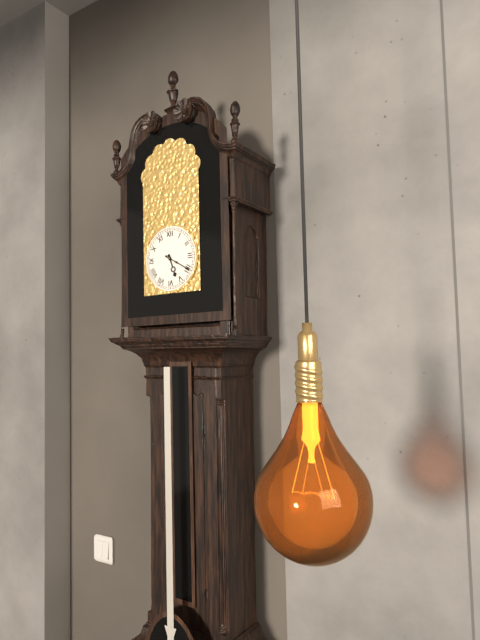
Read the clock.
5:20
